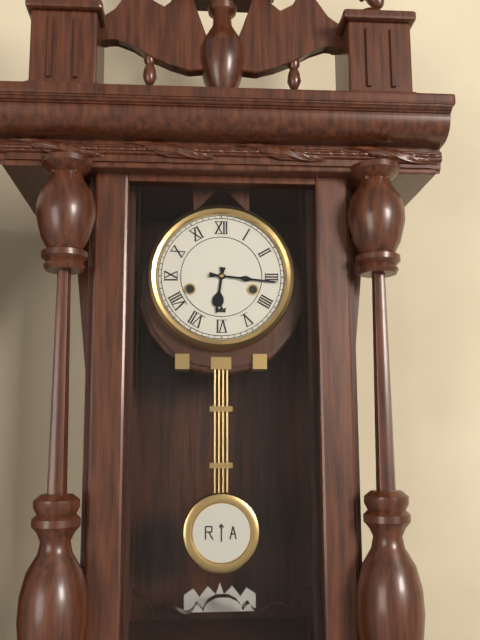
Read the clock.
6:16
